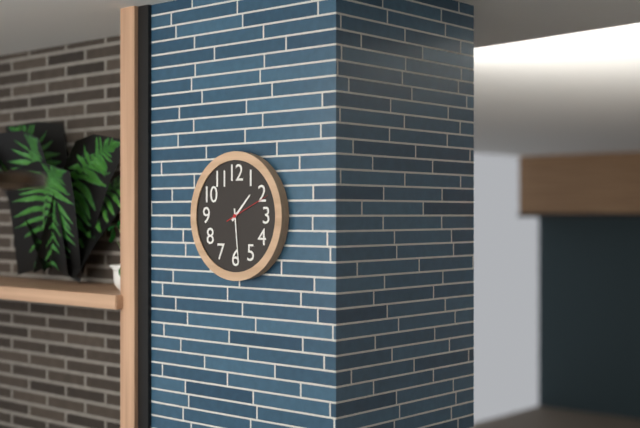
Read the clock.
1:29
